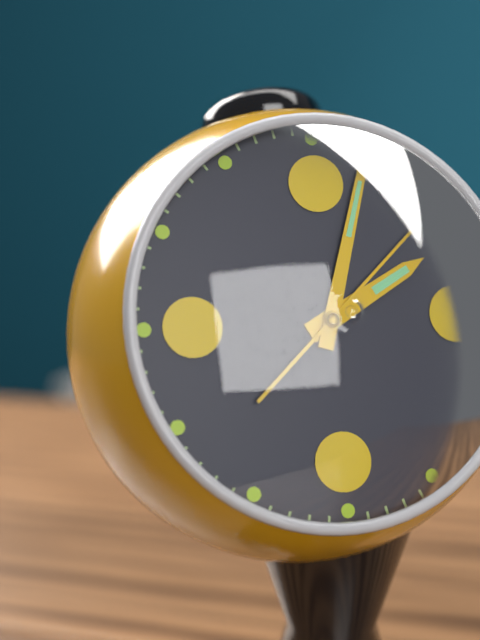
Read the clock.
2:03:08
